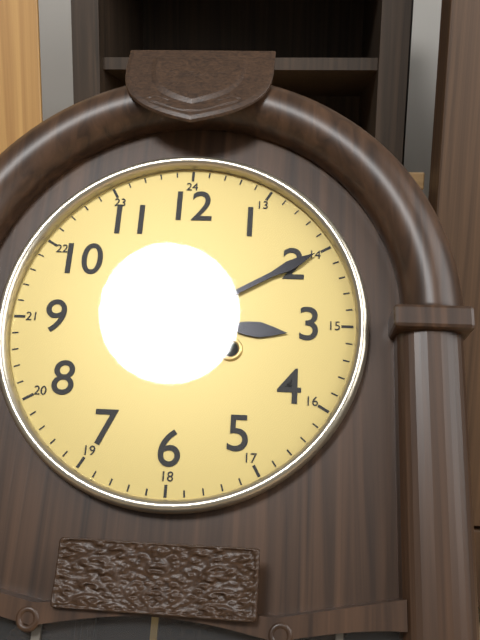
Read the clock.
3:10
